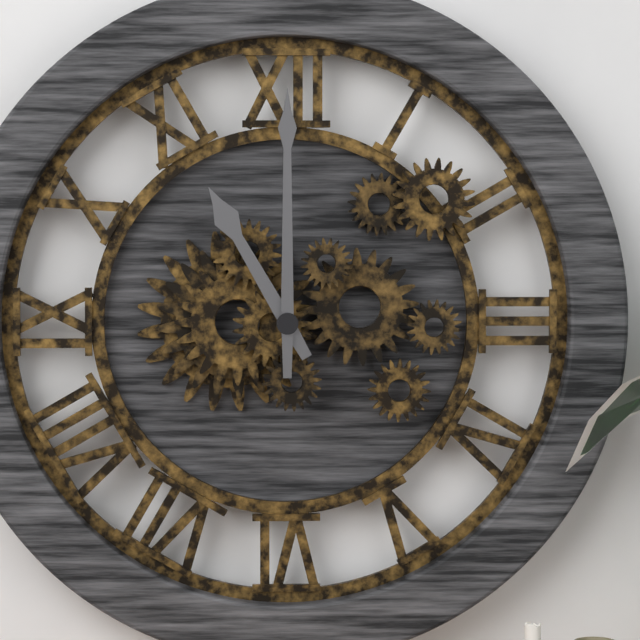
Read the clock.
11:00
